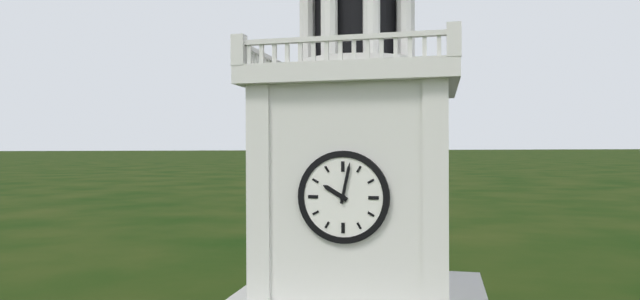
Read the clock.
10:02
